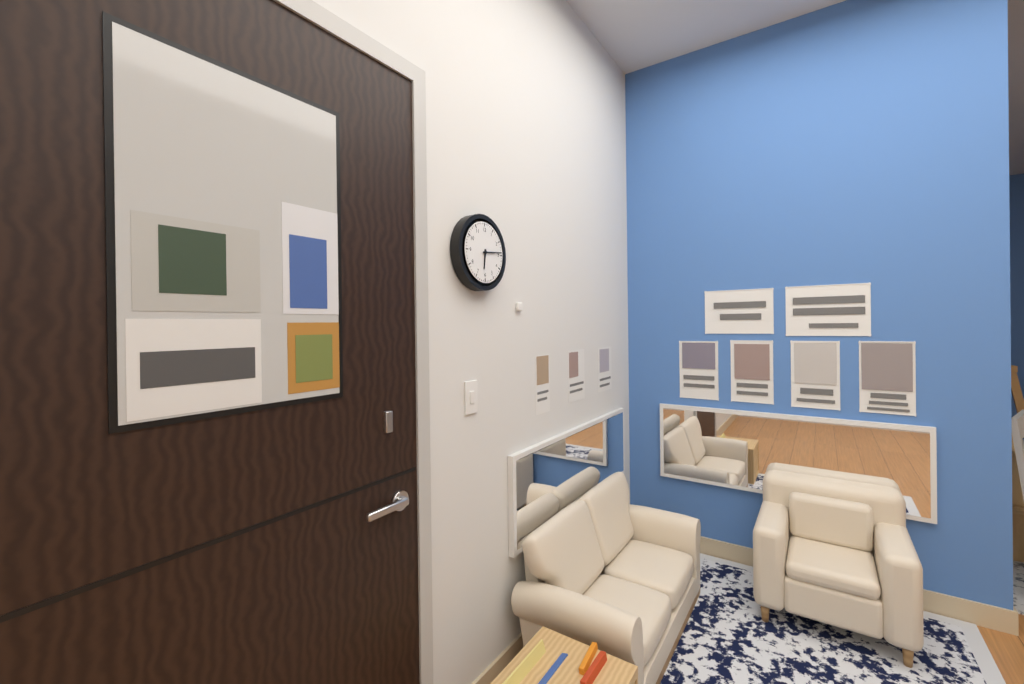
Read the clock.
6:14
